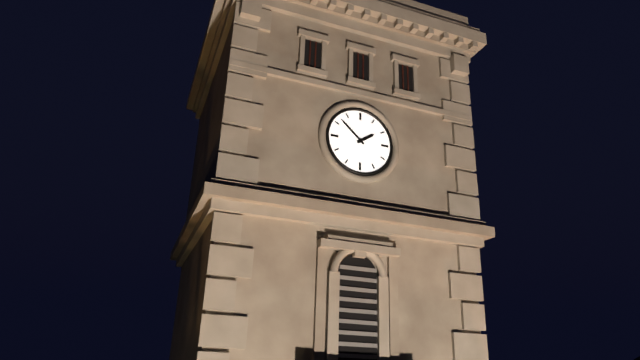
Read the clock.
1:52
